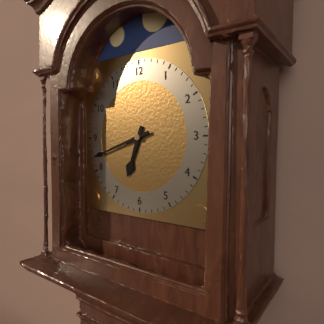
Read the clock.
6:42
